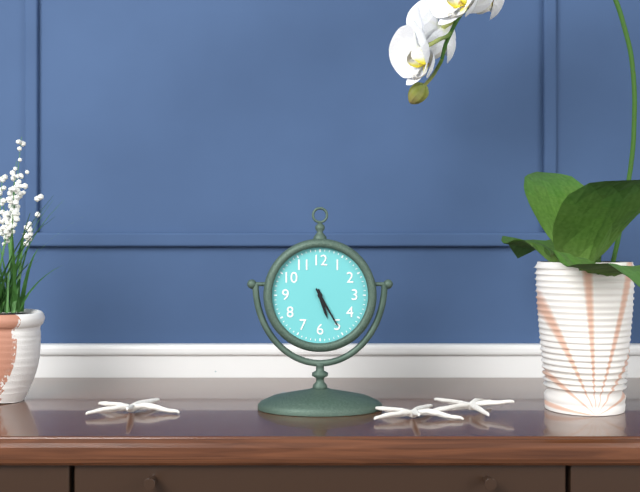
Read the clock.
5:25
